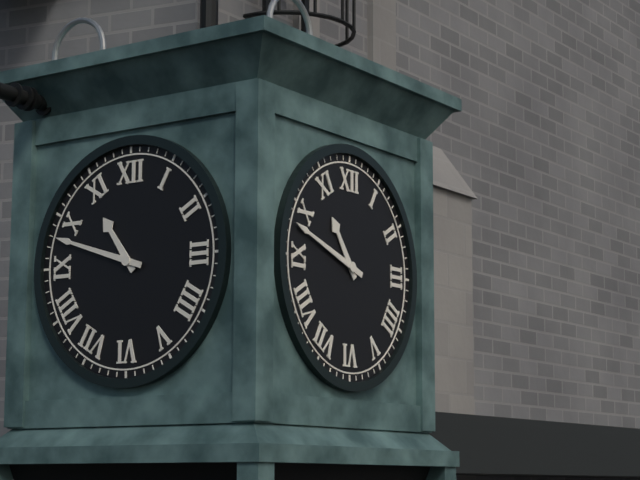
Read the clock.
10:48
